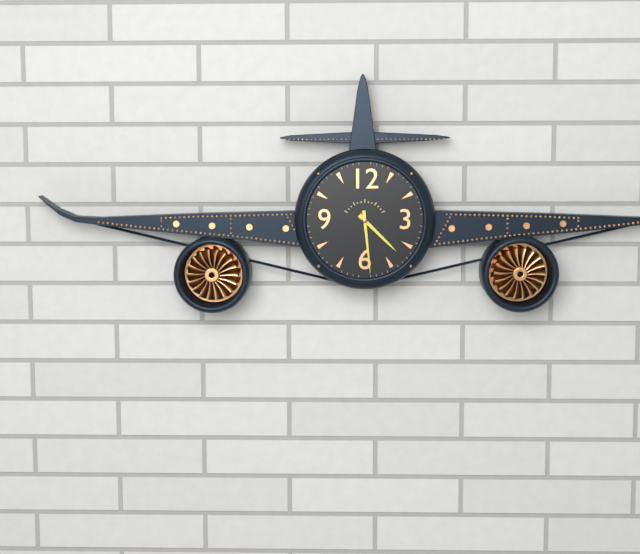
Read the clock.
4:29
